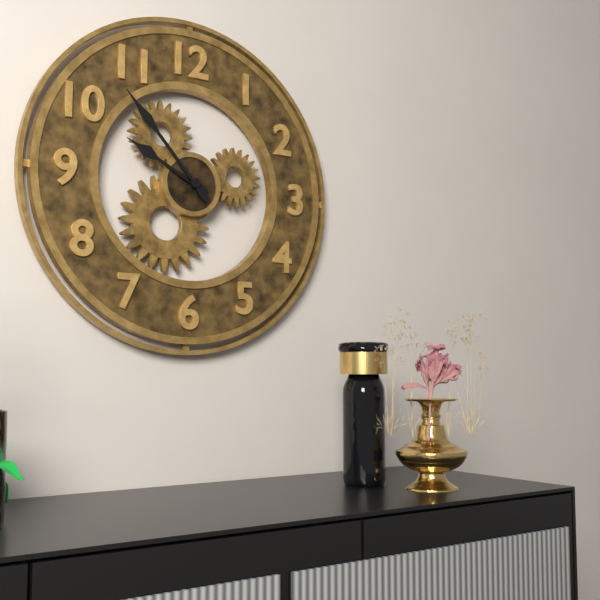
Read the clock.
9:53
